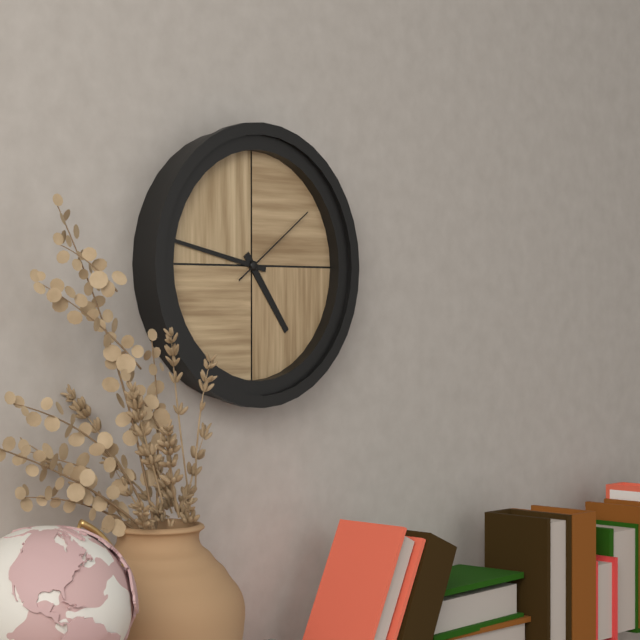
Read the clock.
4:47:09
